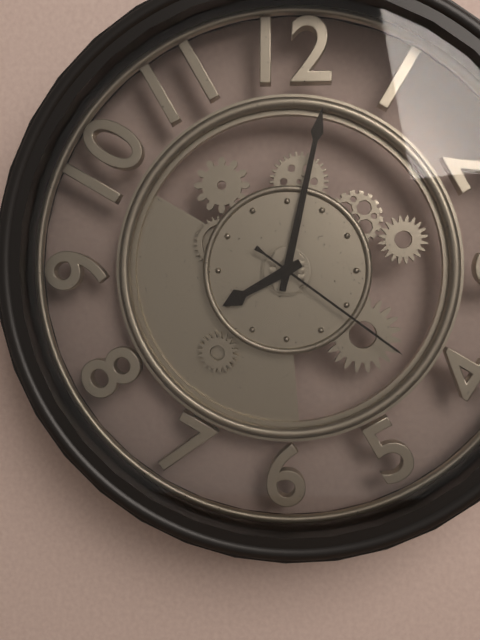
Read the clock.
8:02:21
